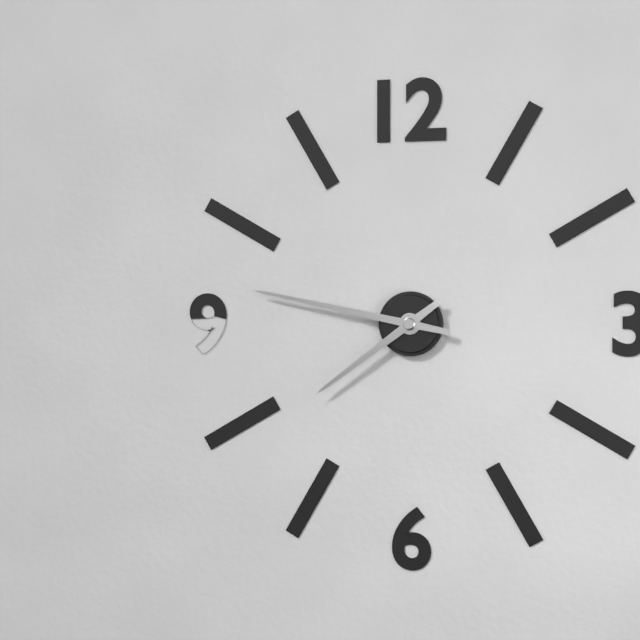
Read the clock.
7:47
